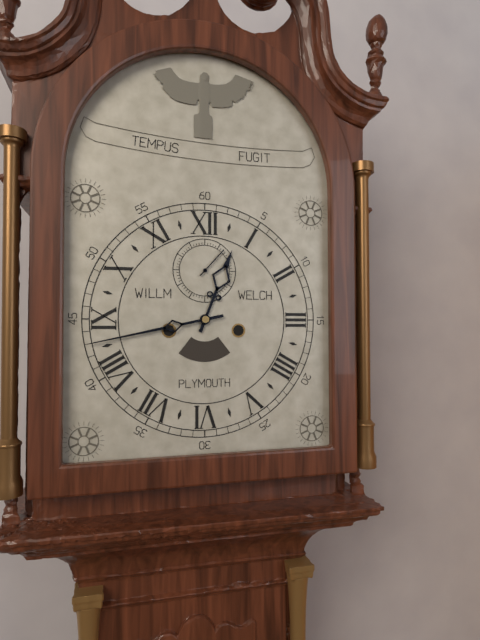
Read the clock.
12:43
